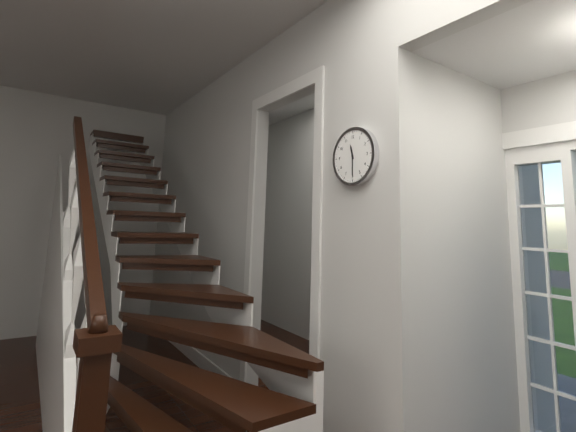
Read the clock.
11:30
